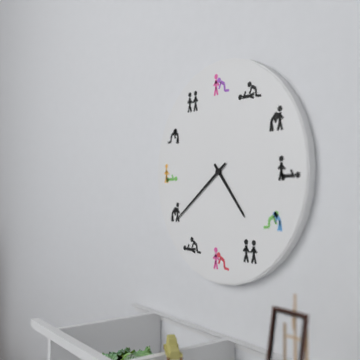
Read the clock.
4:39
